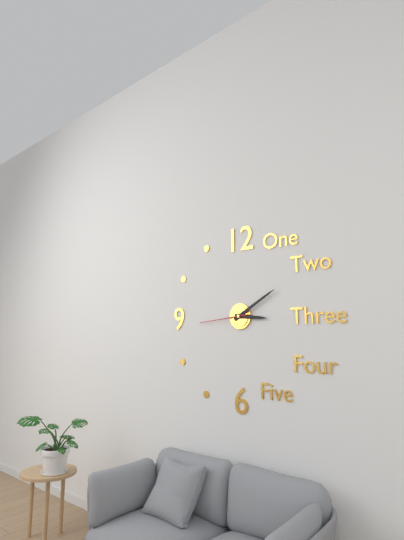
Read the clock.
3:10:44
